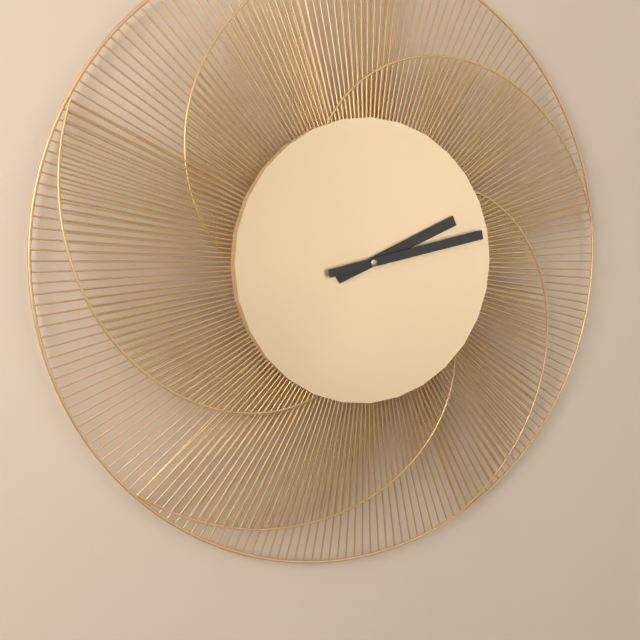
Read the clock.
2:13
